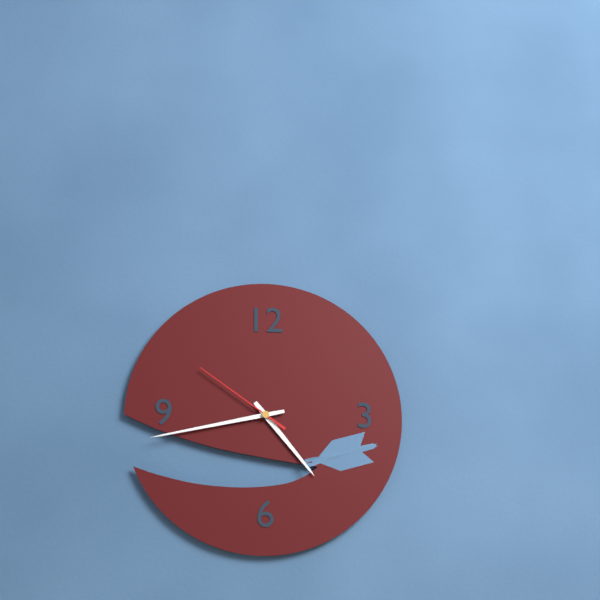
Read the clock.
4:43:51
